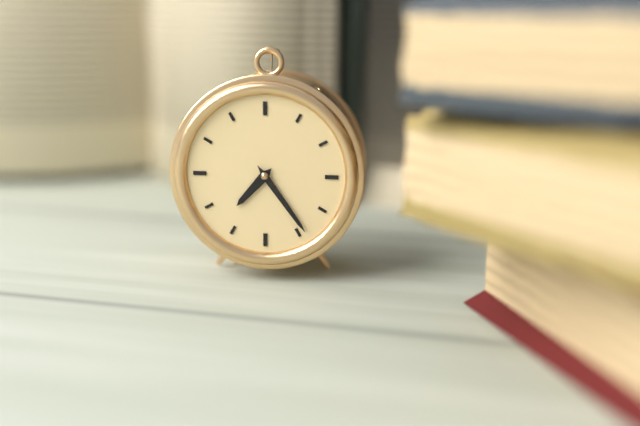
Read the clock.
7:24
